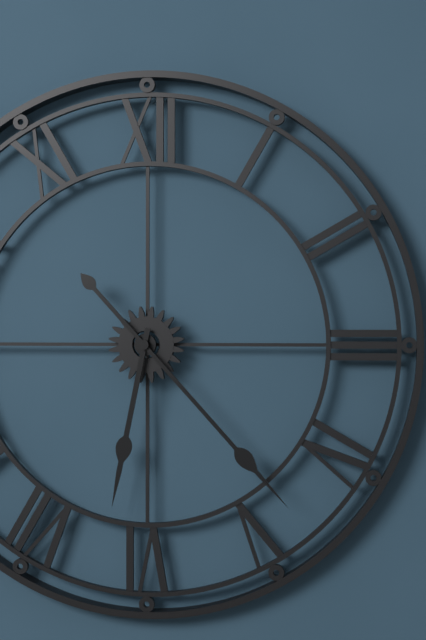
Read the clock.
6:23
